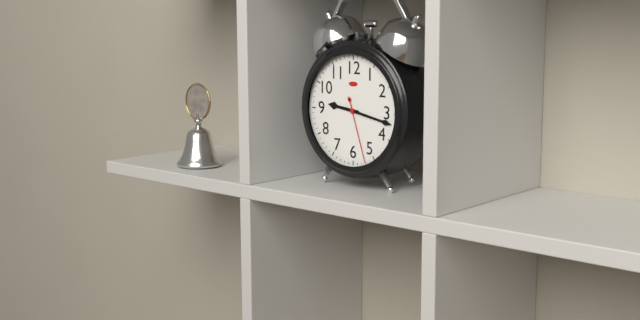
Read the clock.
9:17:27
